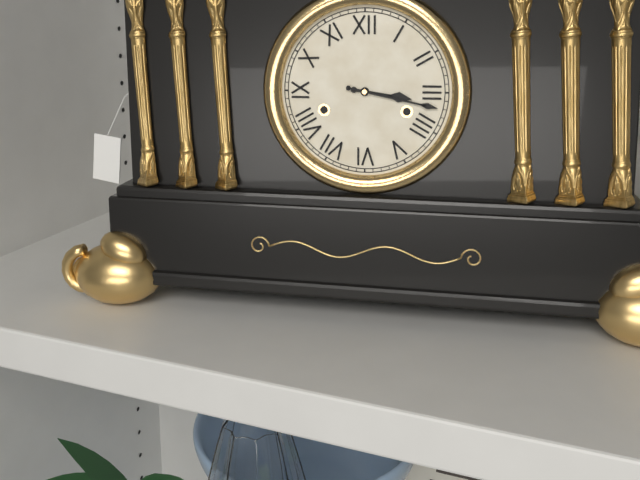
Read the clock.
3:17
